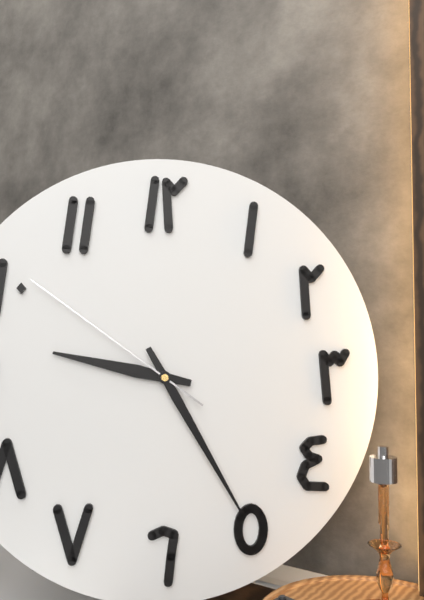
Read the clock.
9:25:51
